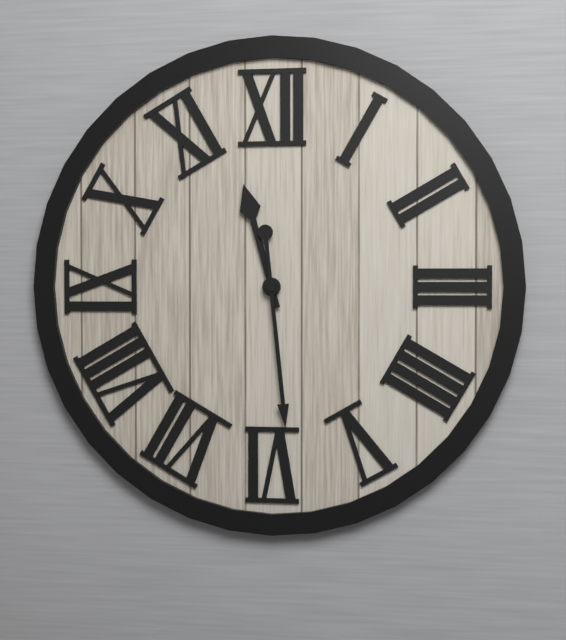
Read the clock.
11:29
